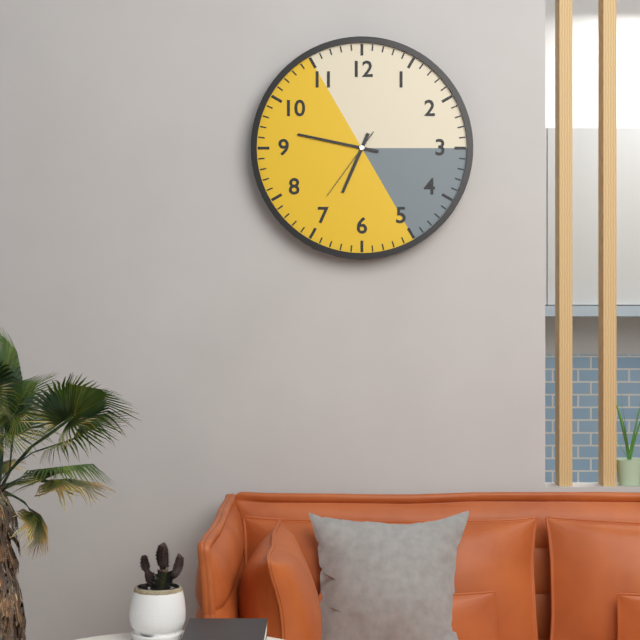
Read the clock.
6:47:36
